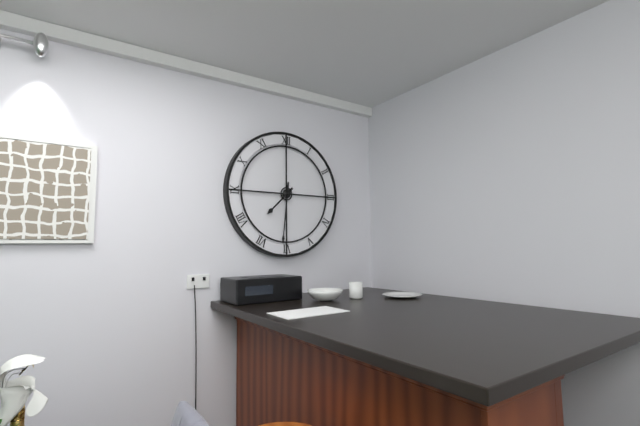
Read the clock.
7:31
